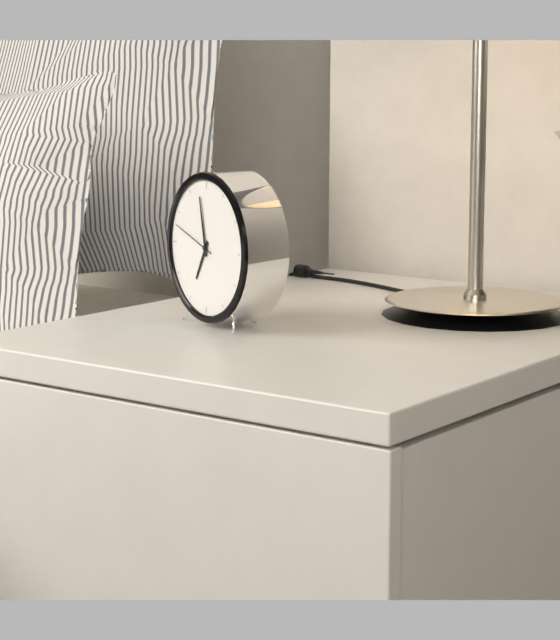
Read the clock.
6:58
